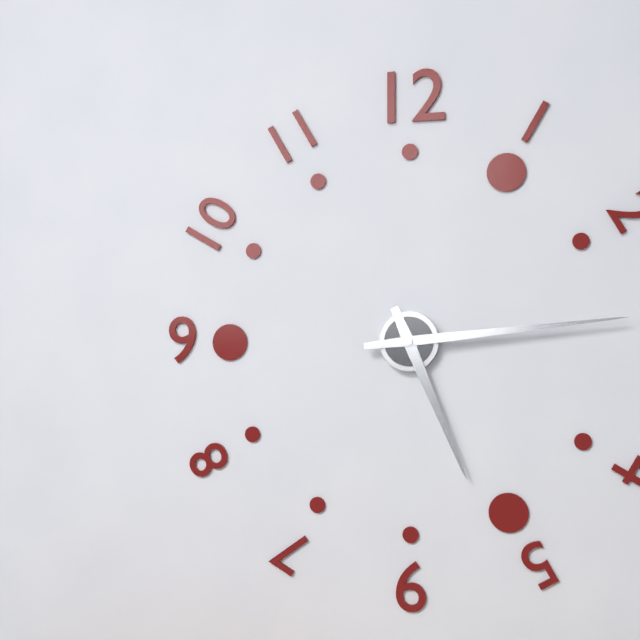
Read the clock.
5:14
